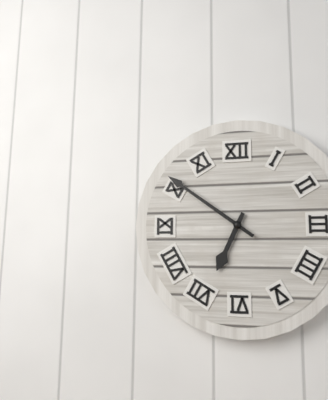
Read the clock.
6:51
